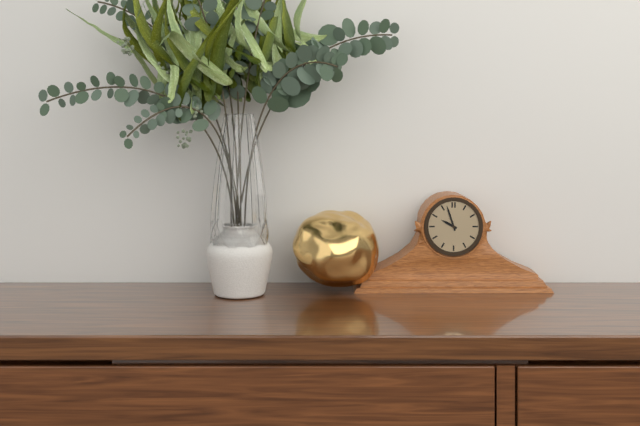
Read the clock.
9:57
